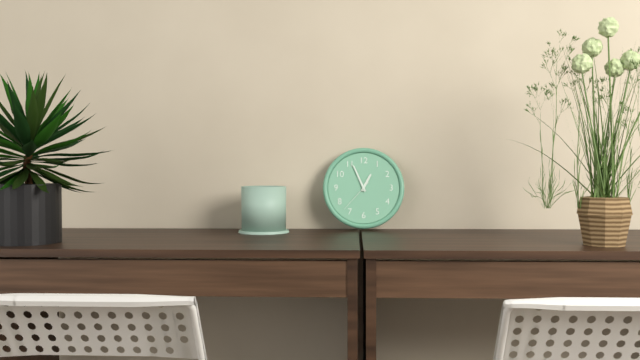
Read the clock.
12:56
